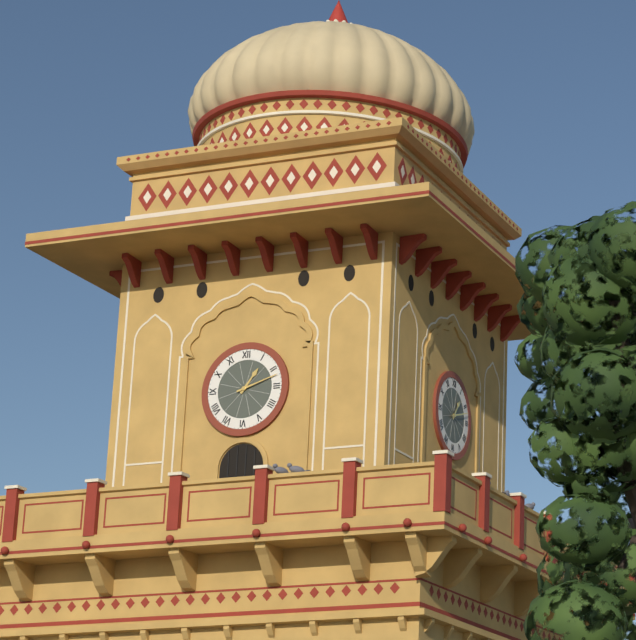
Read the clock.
1:12
